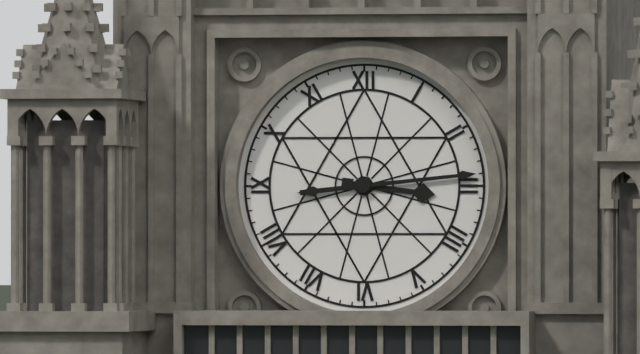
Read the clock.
3:14
